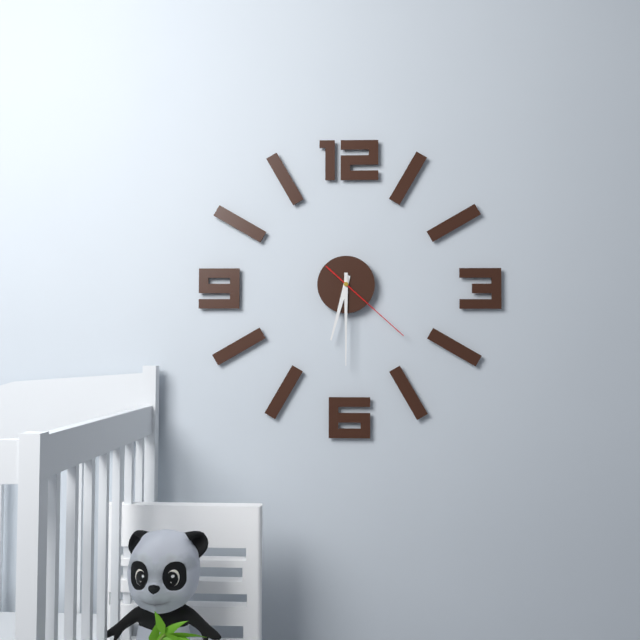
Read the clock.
6:30:22
